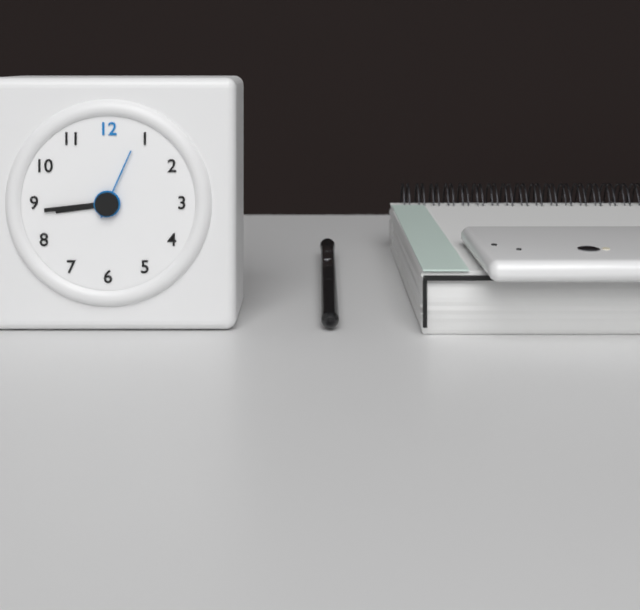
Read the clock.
8:44:04
